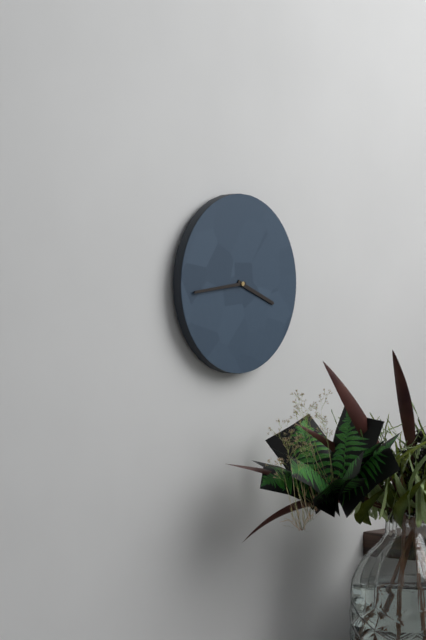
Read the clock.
3:44
